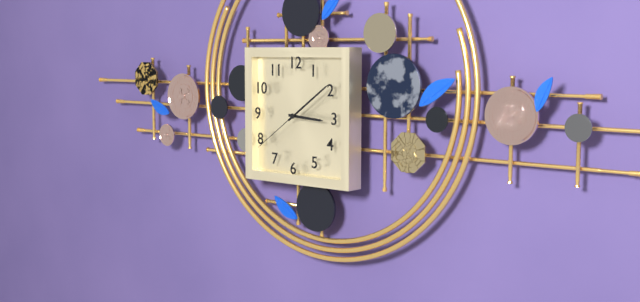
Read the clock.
3:09:39
